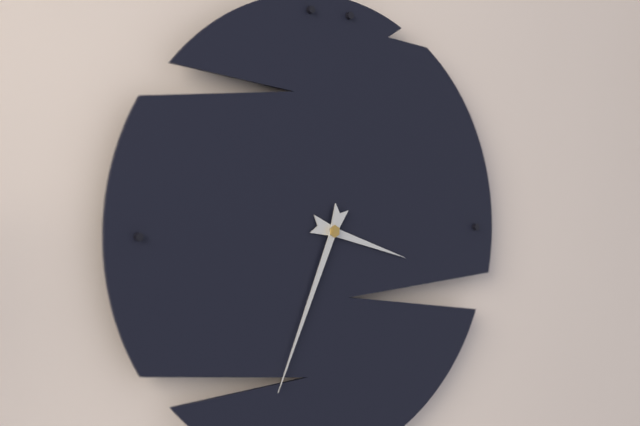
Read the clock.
3:34
